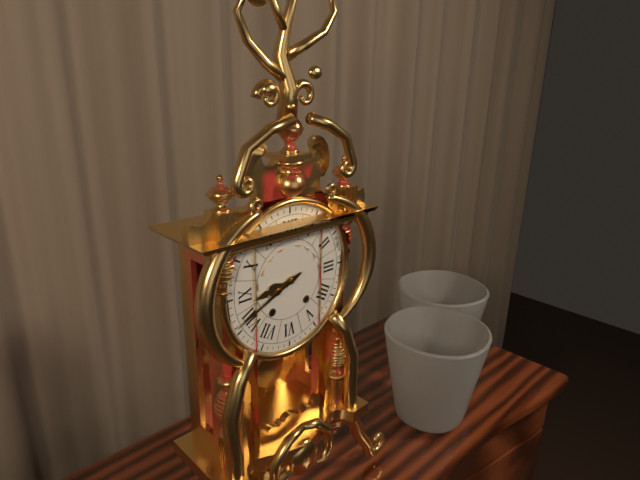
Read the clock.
8:41
